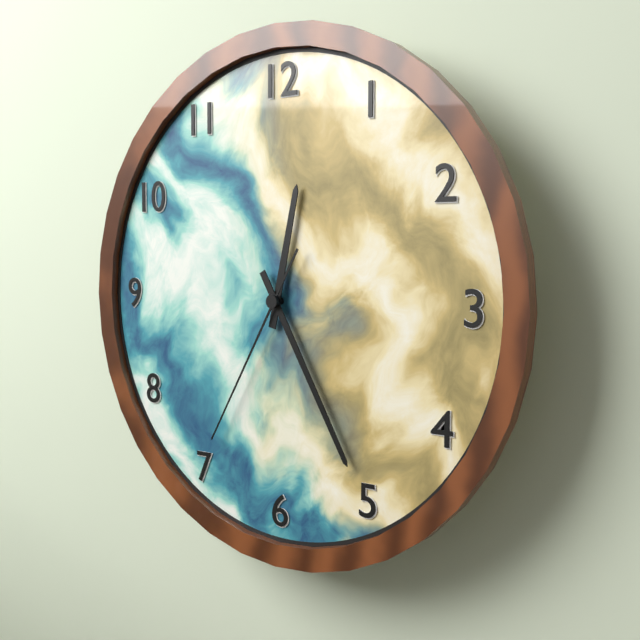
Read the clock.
12:25:35
